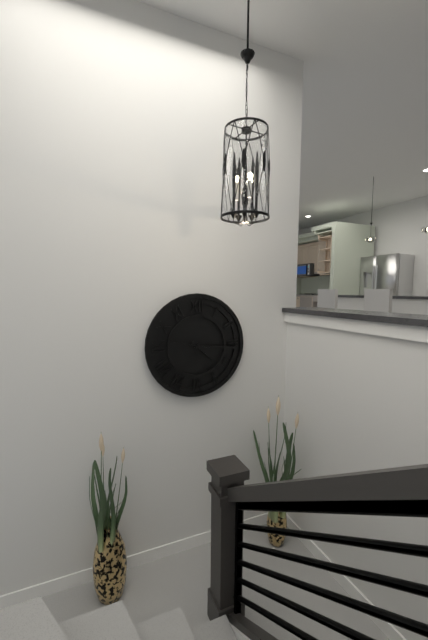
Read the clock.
4:16:47
